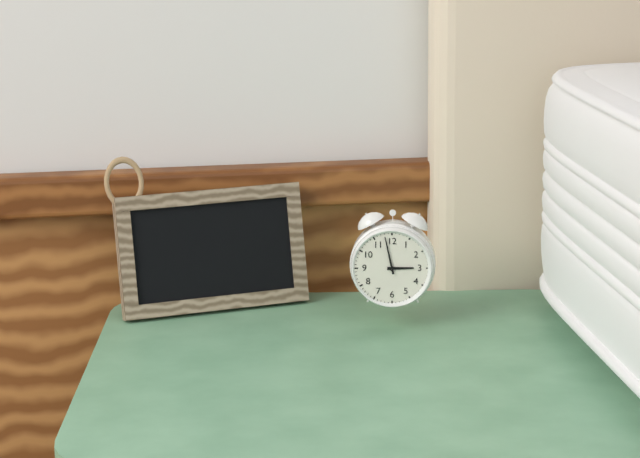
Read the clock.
2:58
